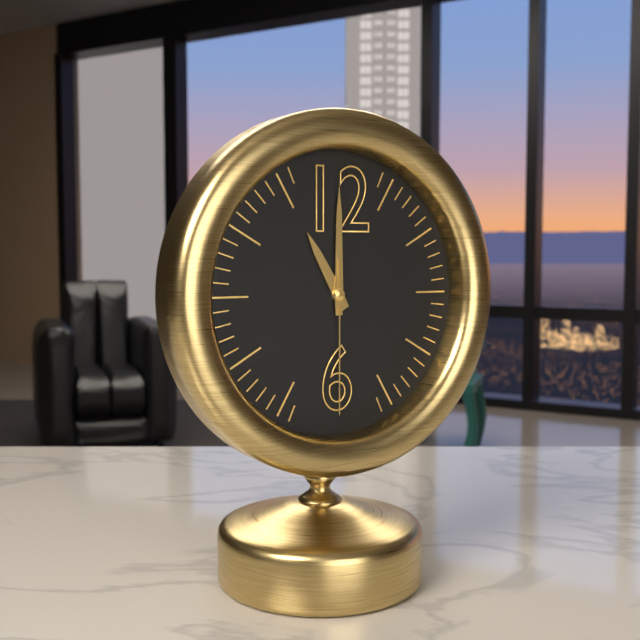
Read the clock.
11:00:30
